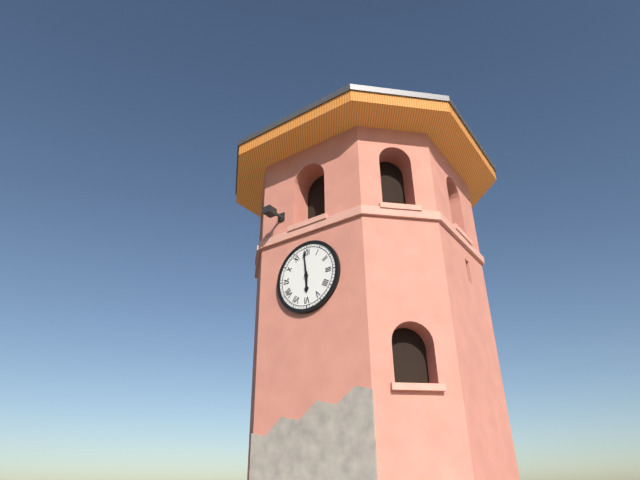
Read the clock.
5:59
